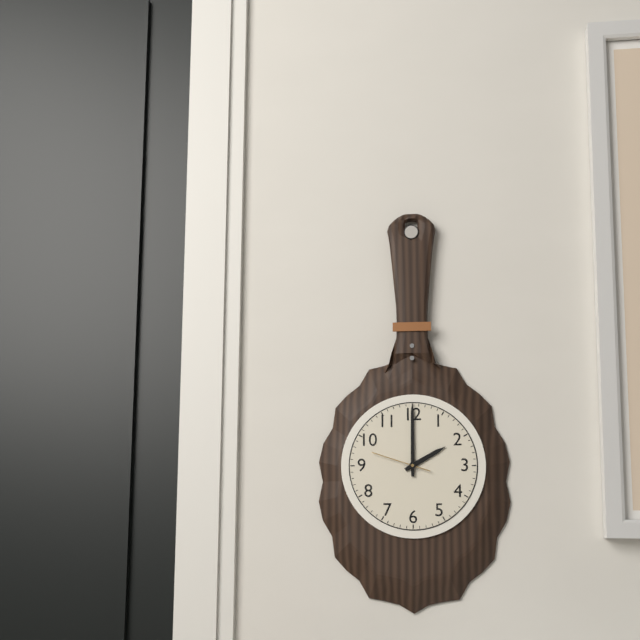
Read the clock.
2:00:48
